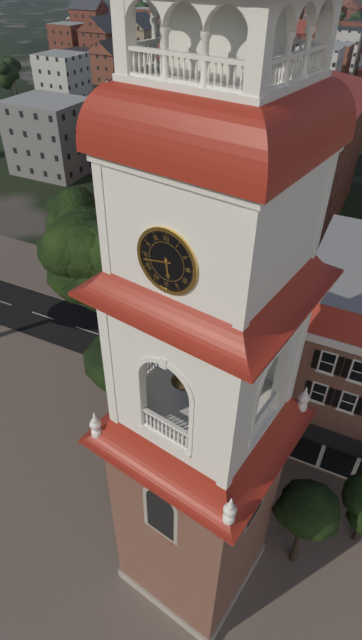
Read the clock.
5:43
